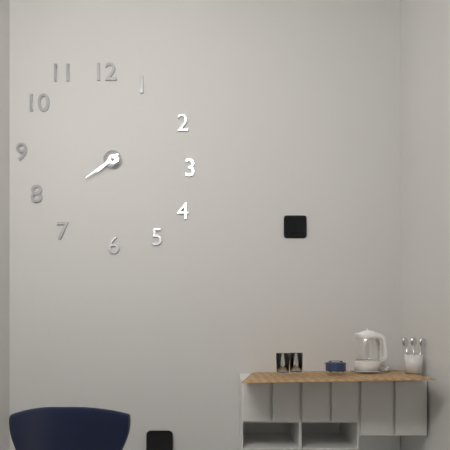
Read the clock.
7:39
